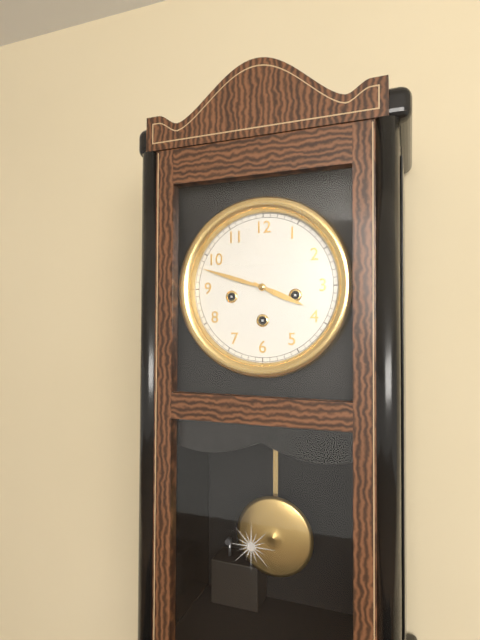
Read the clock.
3:48
